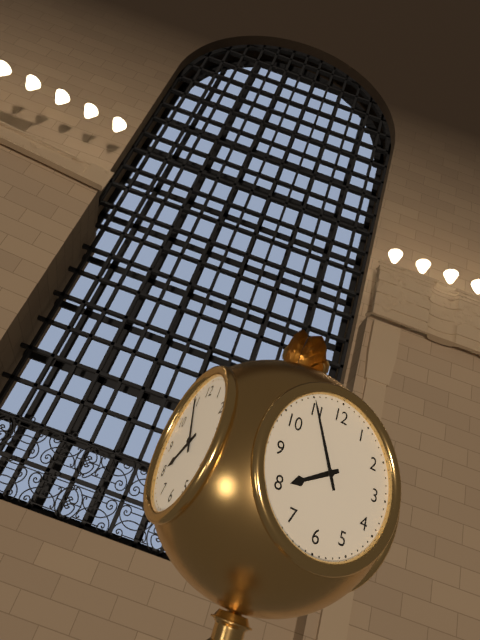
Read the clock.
7:55
